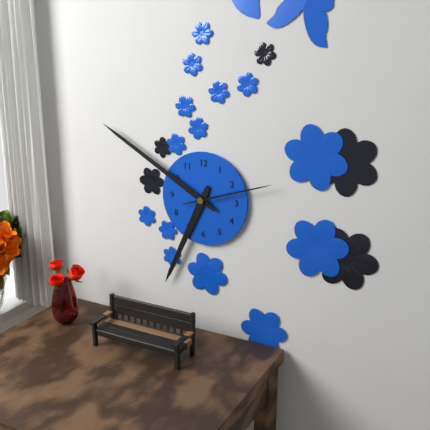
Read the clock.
6:50:12
